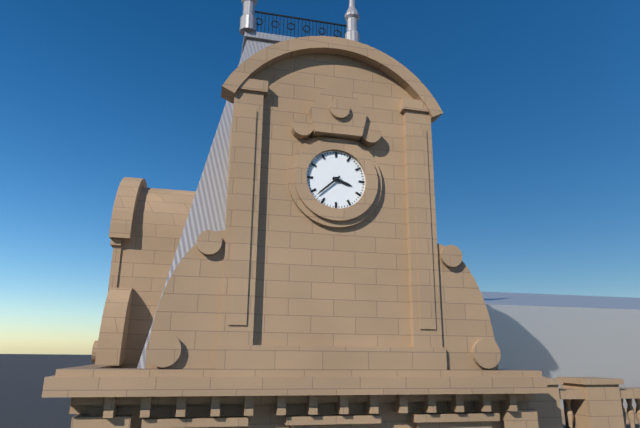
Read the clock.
3:38
